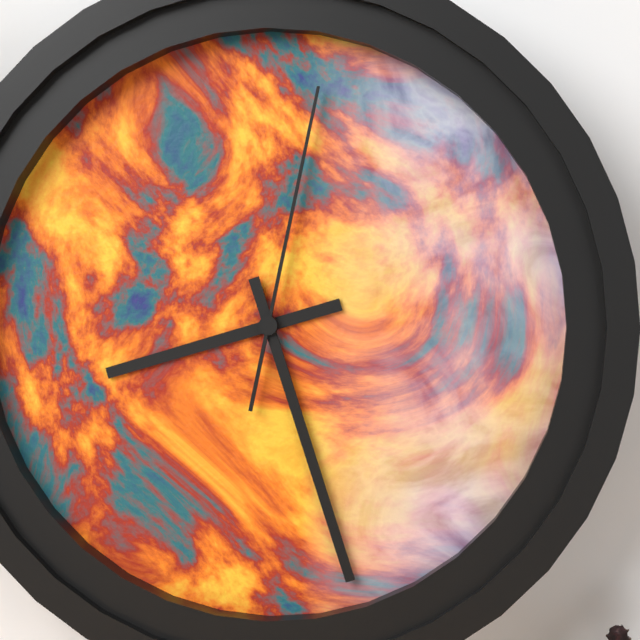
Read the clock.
8:27:02
